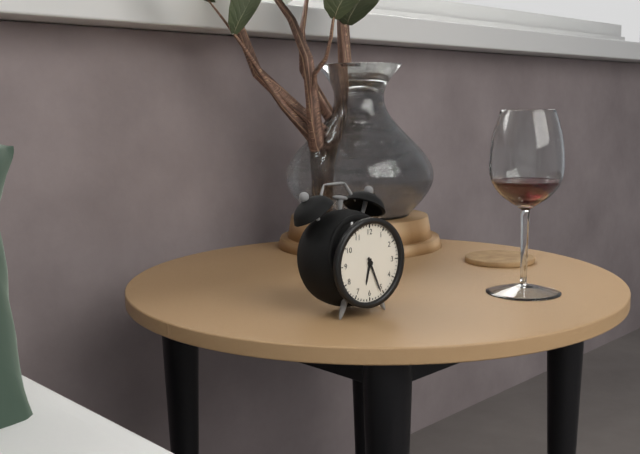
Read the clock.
6:26
